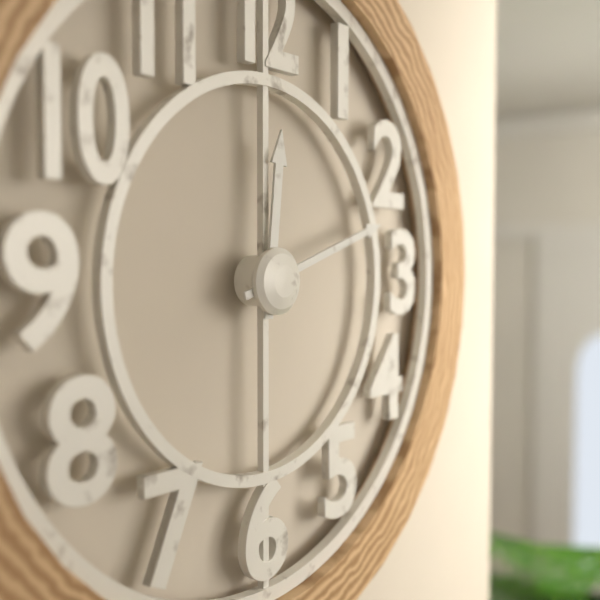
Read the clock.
12:12
